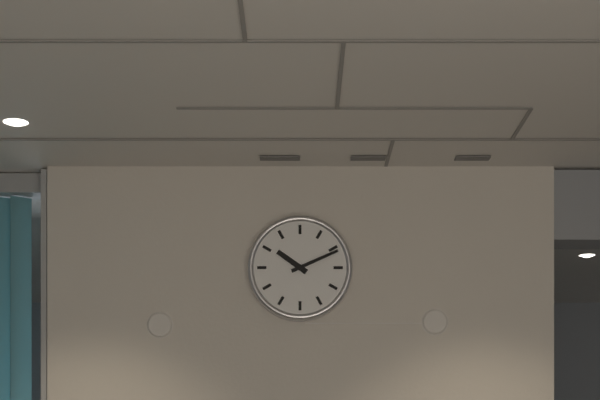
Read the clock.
10:11
